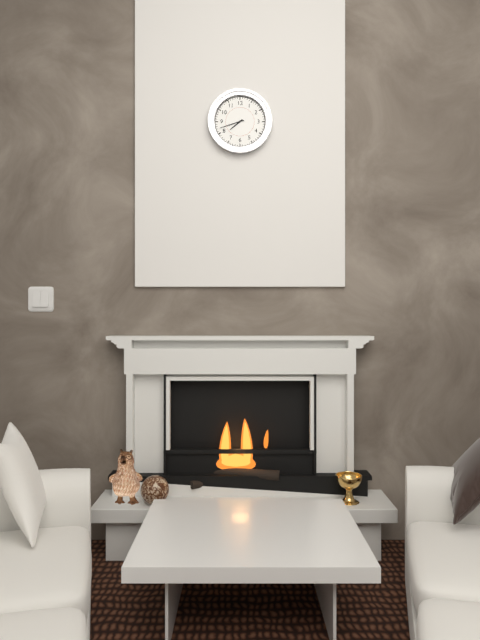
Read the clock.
7:42
